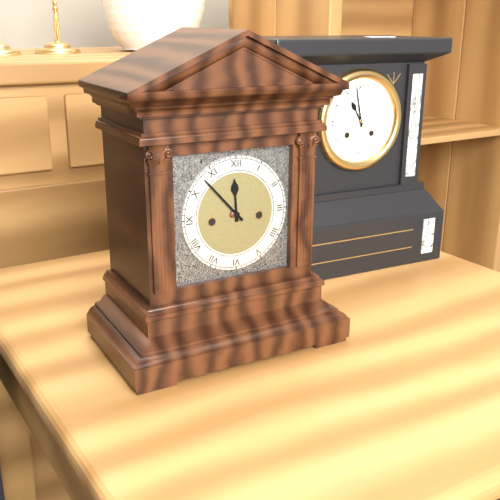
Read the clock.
11:53
